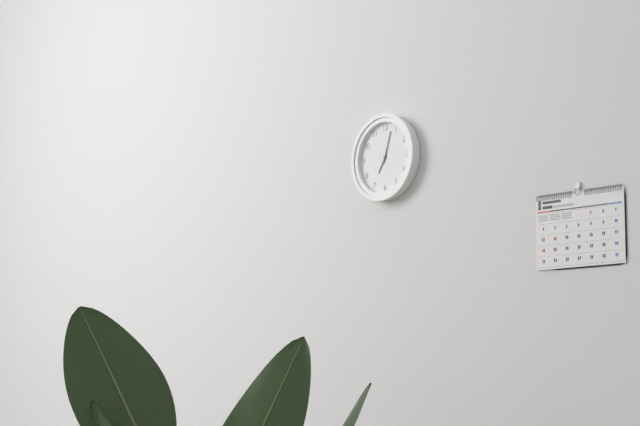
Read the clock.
7:03
